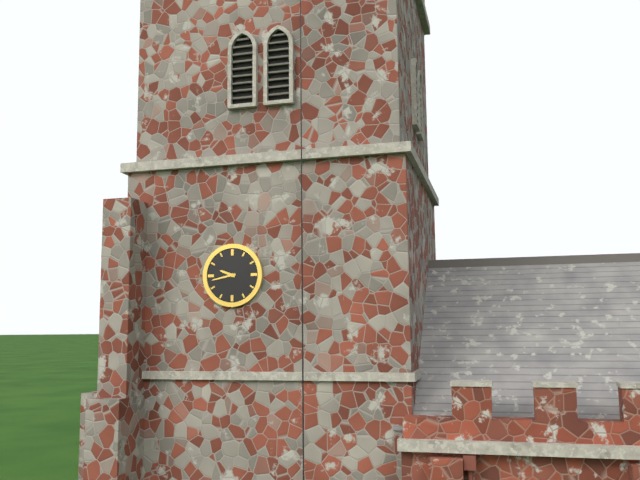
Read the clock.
9:43
